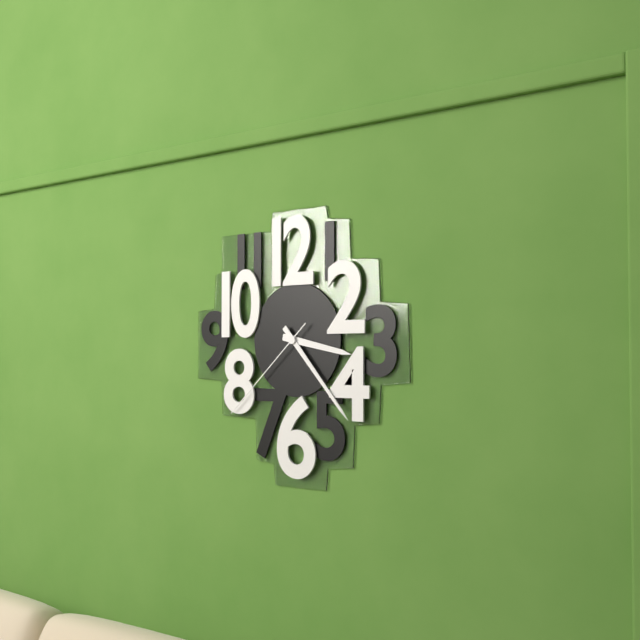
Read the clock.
3:23:38
